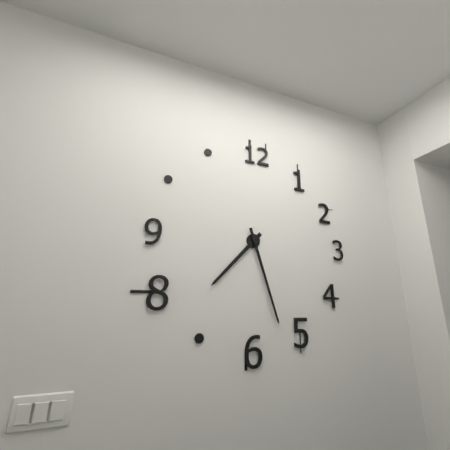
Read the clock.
7:27
